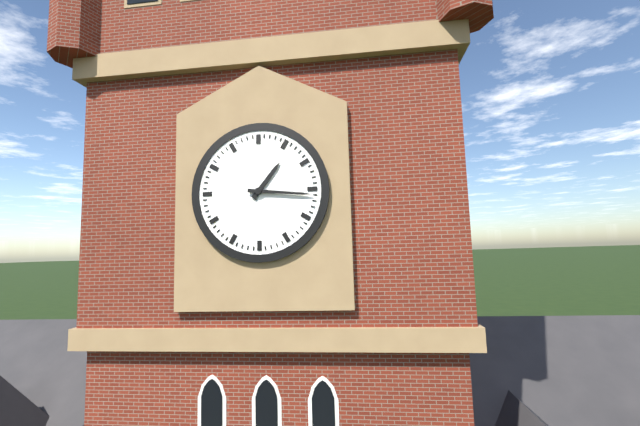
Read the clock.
1:16
